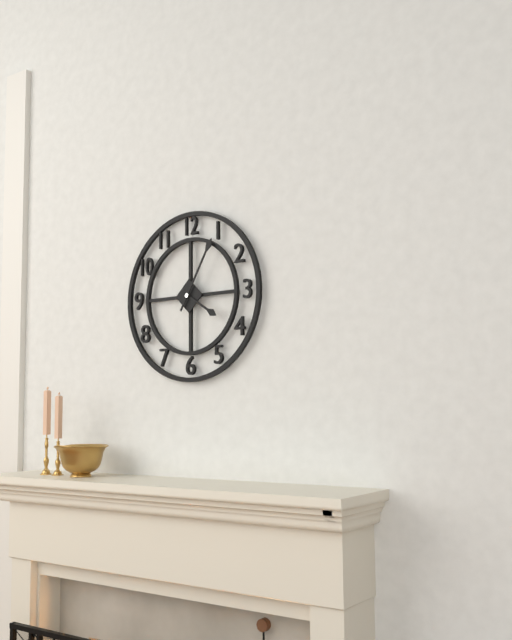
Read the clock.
4:05
